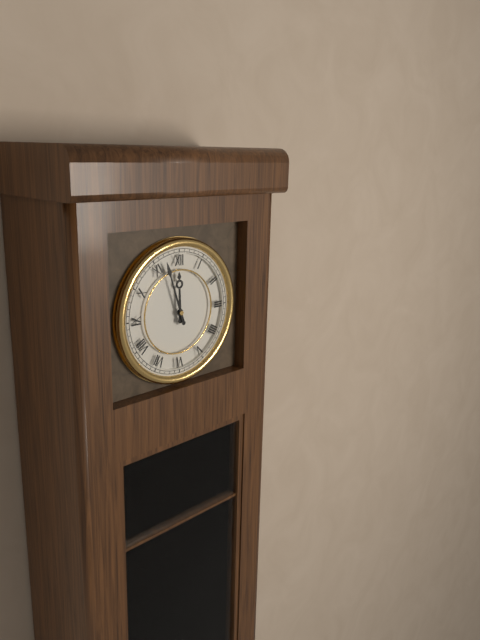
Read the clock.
11:57
